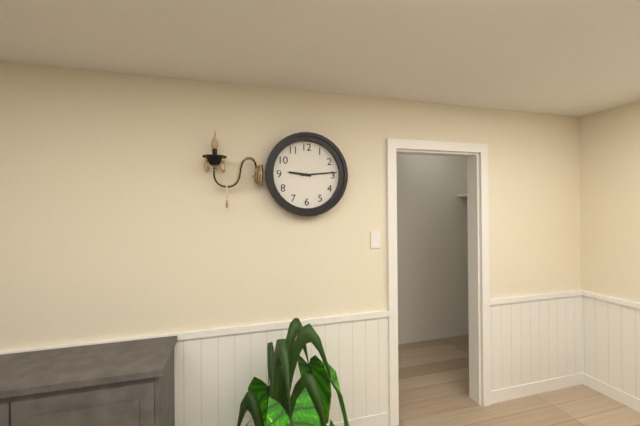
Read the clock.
9:14
